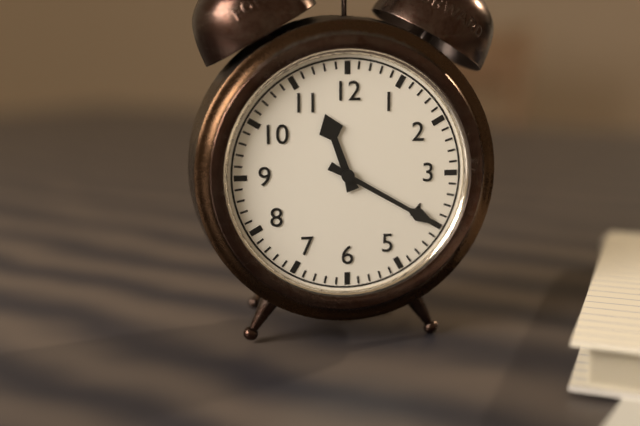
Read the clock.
11:20
